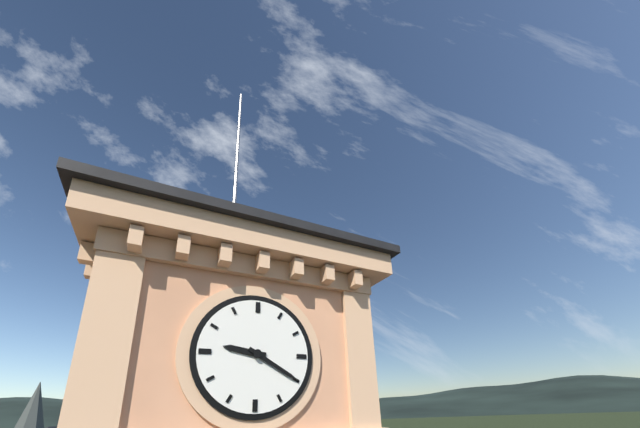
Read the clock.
9:20
